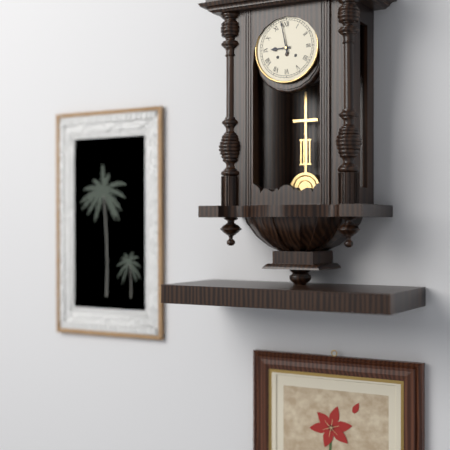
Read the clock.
8:58
